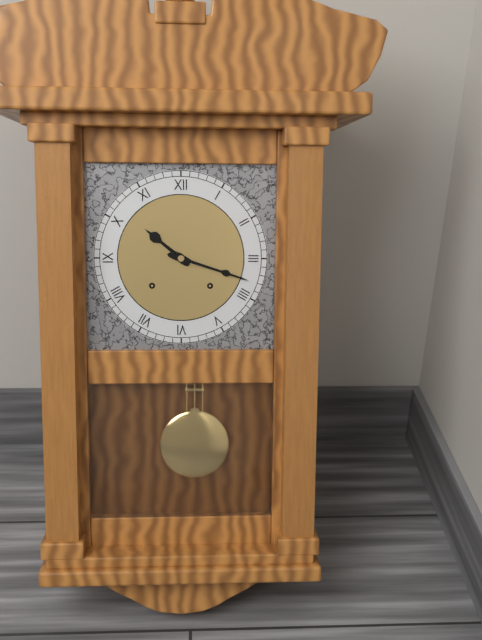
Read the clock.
10:18
